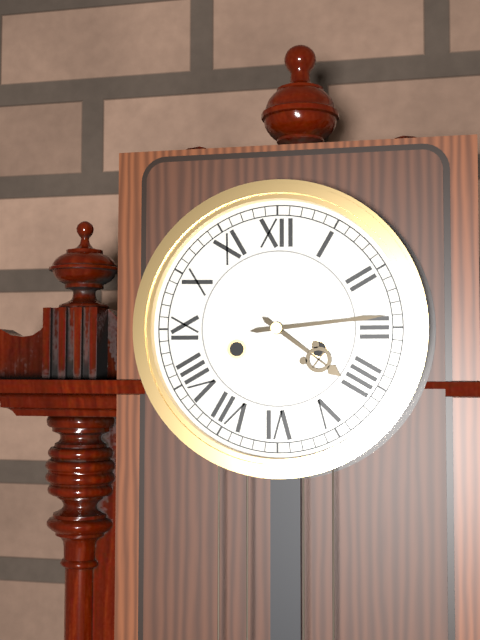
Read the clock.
4:14
